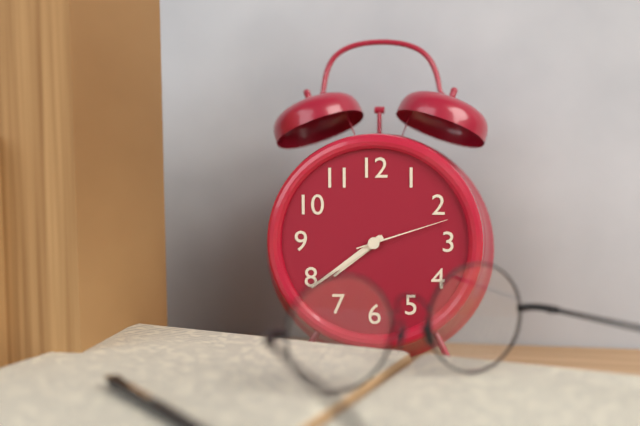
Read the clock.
7:39:12
